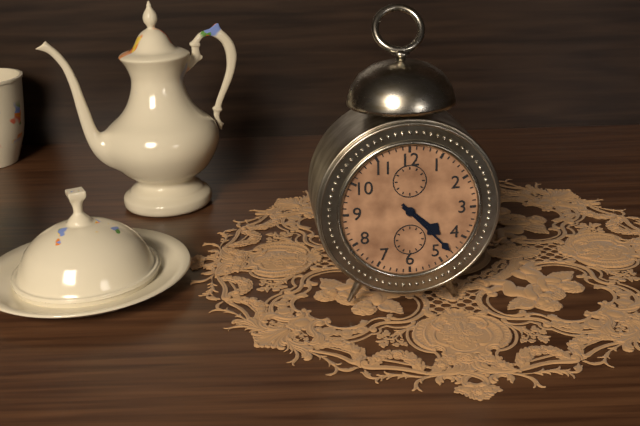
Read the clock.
4:23
